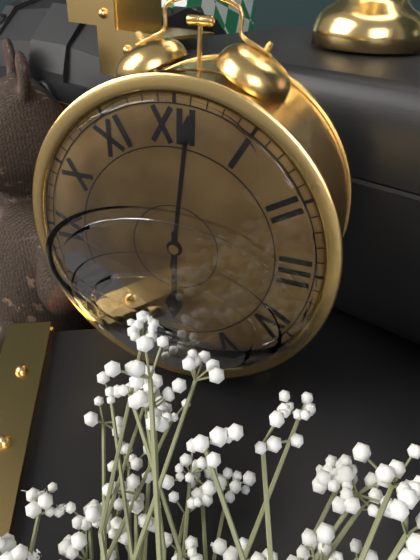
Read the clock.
6:01
